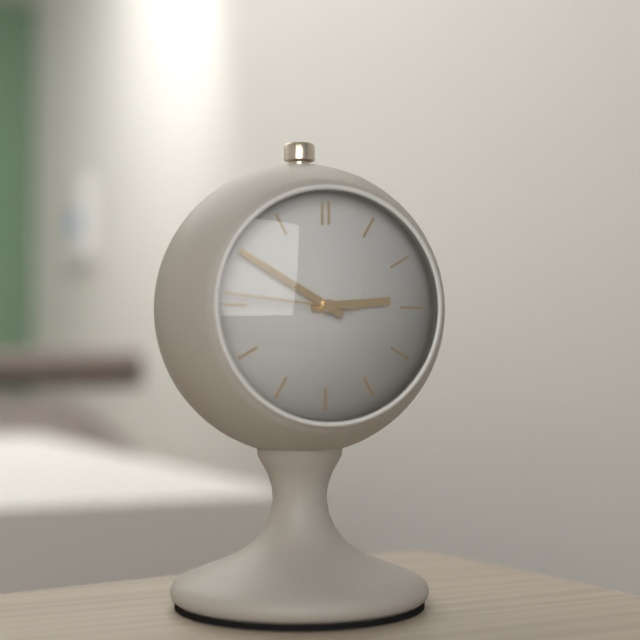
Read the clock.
2:50:46
